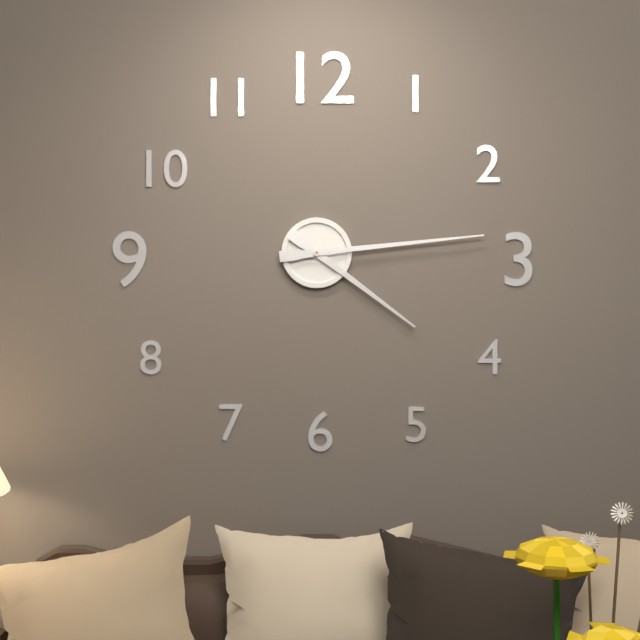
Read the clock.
4:14
